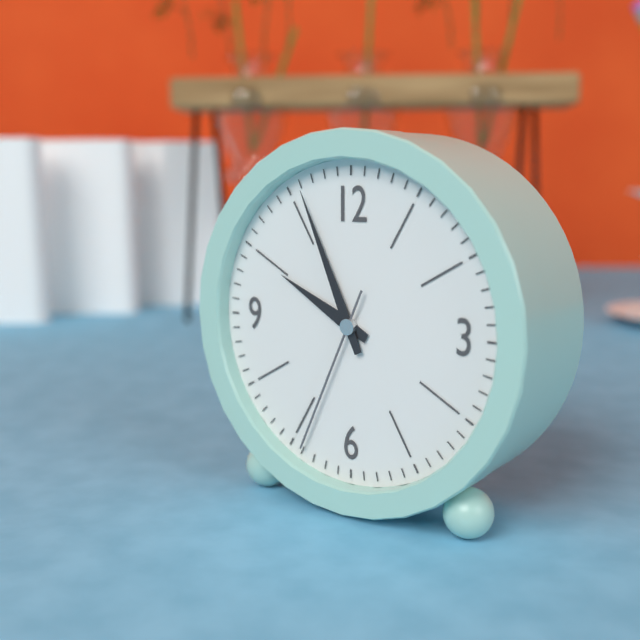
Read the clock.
9:56:34
